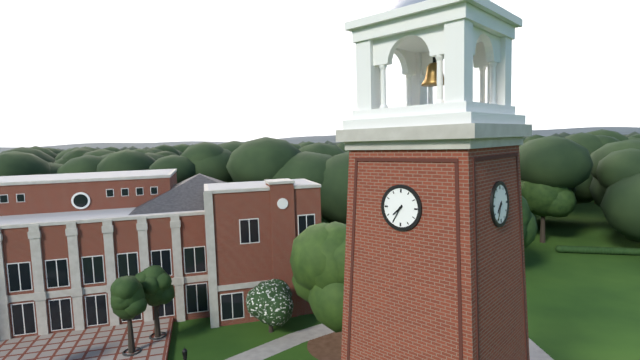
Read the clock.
7:35
